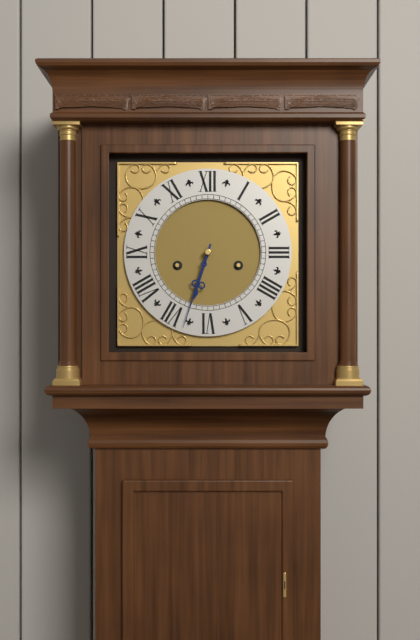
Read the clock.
6:33
